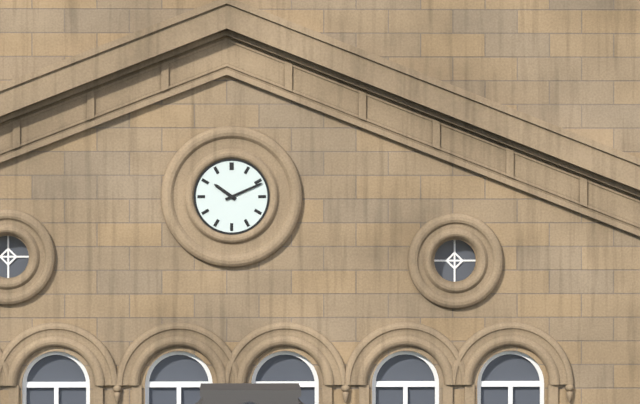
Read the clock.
10:11
